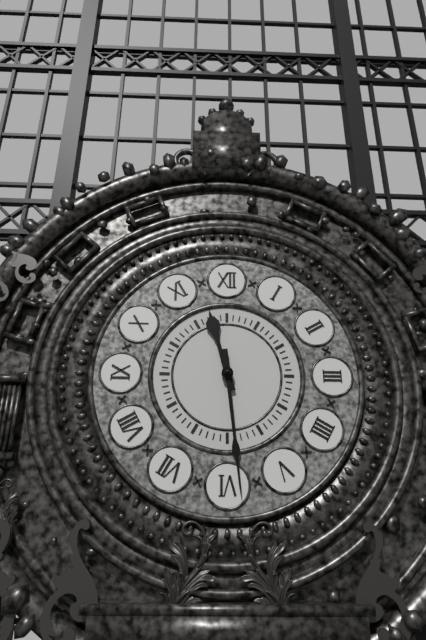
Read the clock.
11:29
